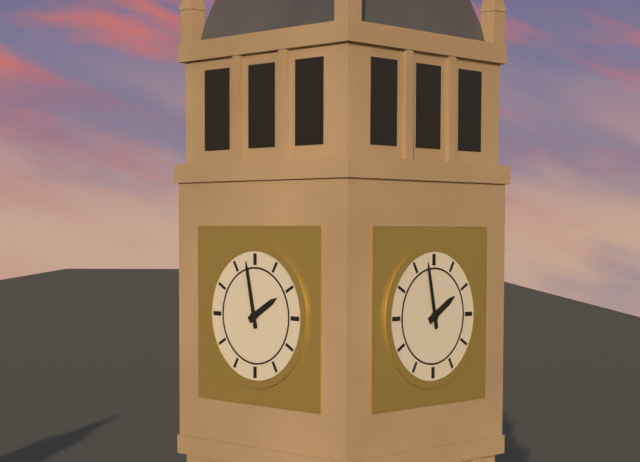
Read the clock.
1:58
